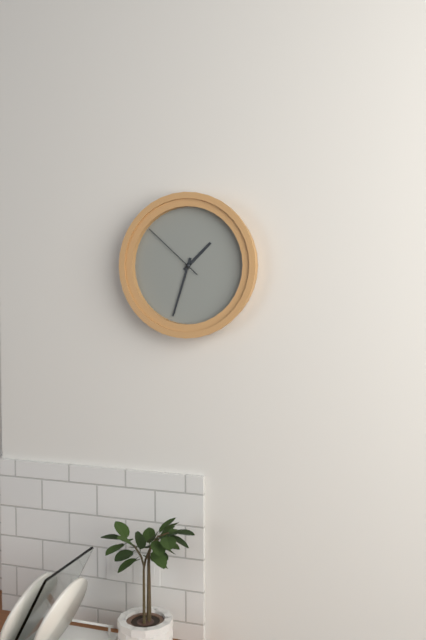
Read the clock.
1:33:52
